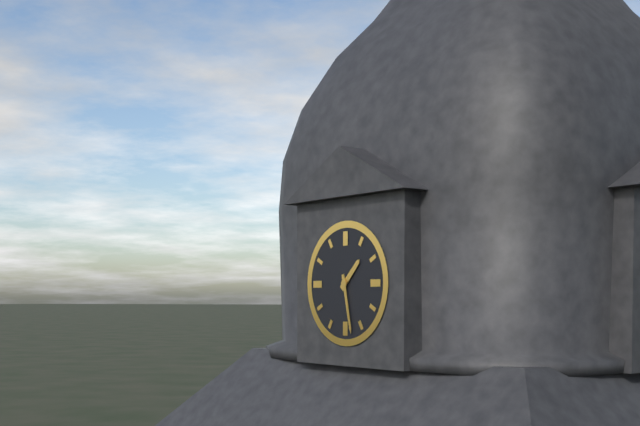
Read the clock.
1:28
